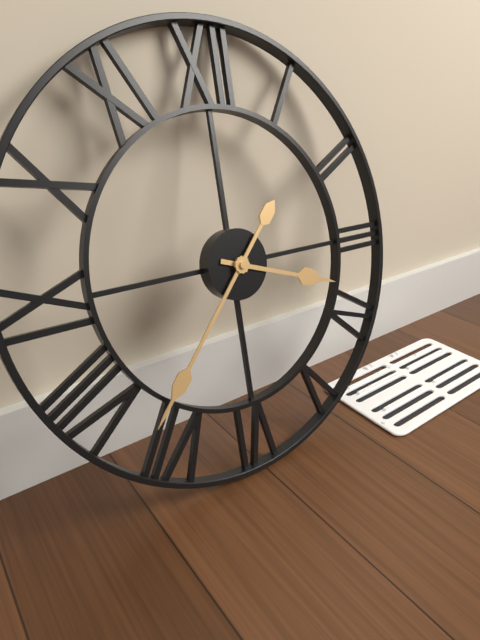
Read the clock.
3:37
